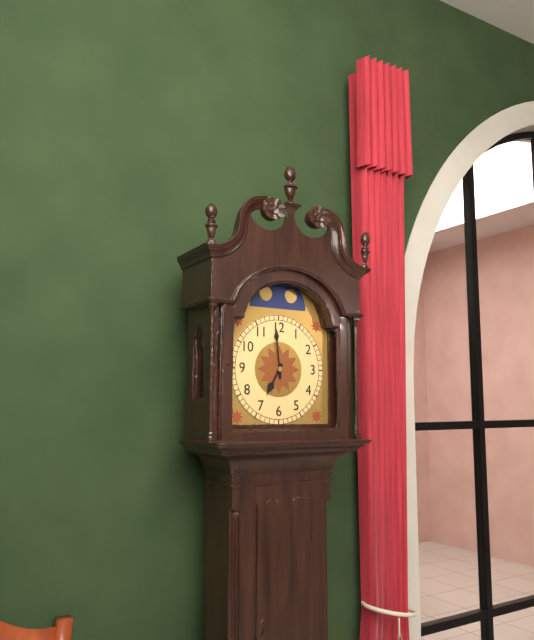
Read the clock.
6:59
